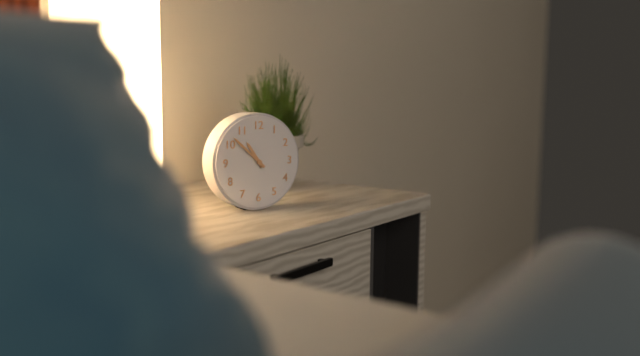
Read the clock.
10:52
